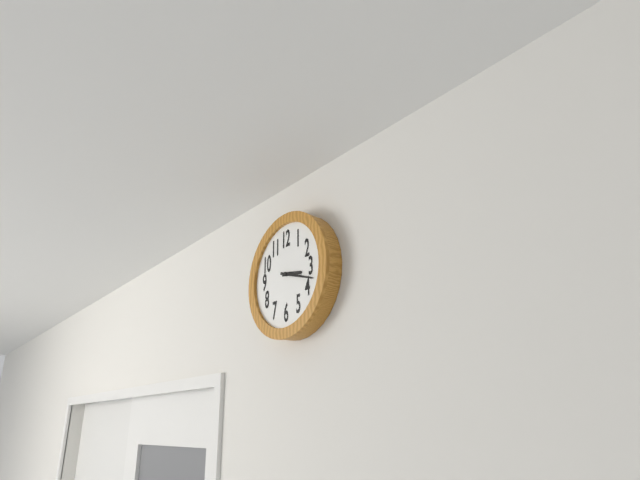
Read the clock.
3:18
